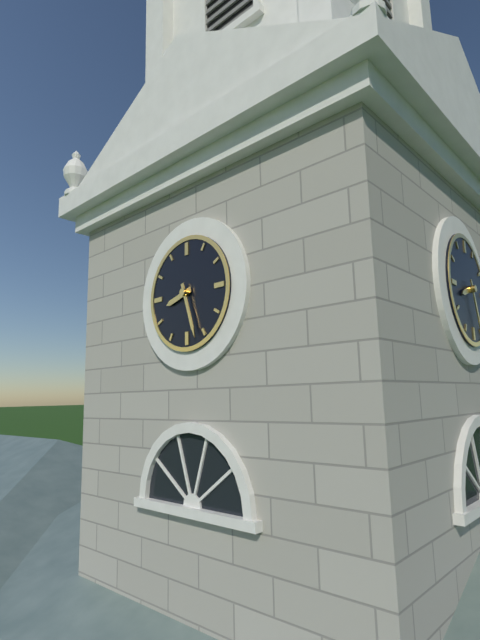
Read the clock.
8:27
